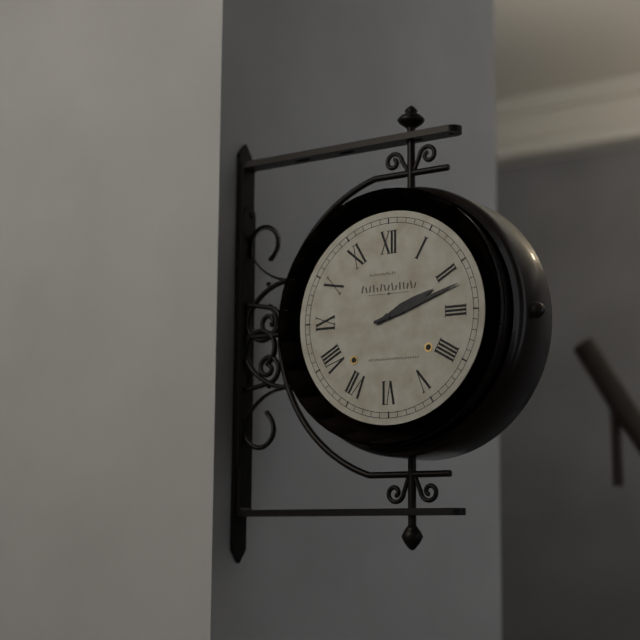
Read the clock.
2:12
